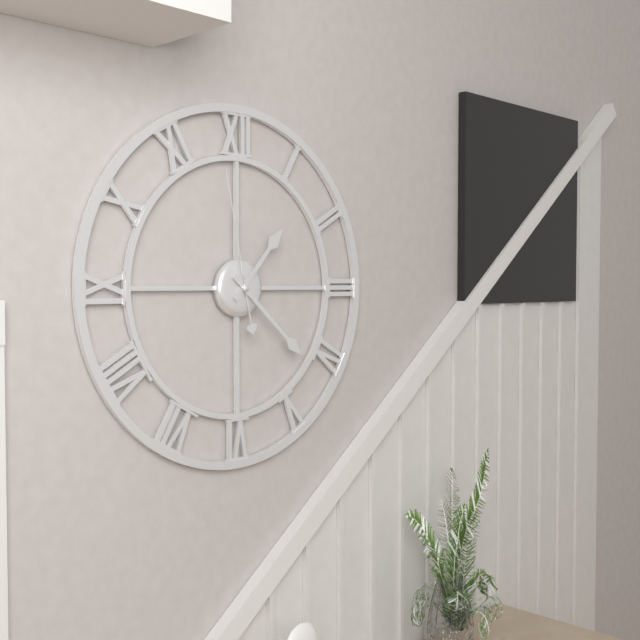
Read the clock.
1:22:58
